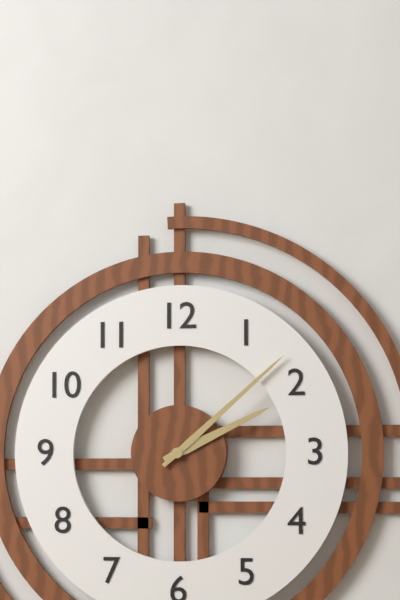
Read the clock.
2:08
